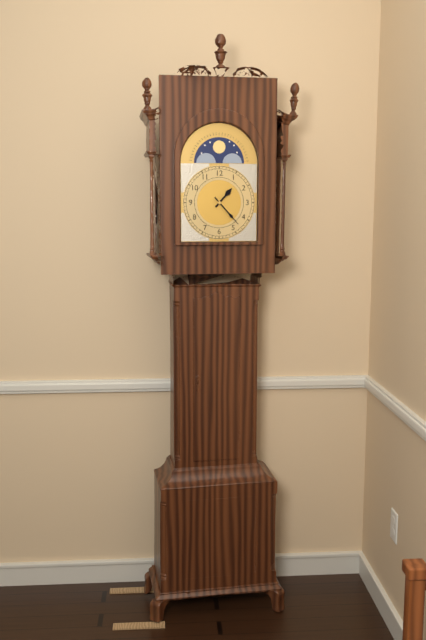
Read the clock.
1:23
